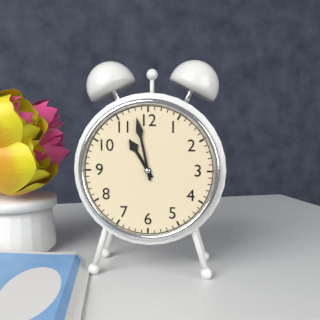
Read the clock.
10:58
